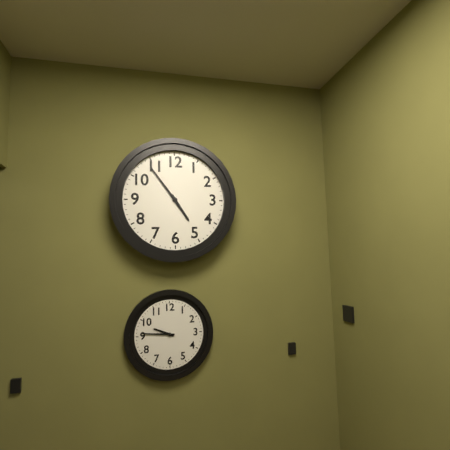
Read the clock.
4:54
